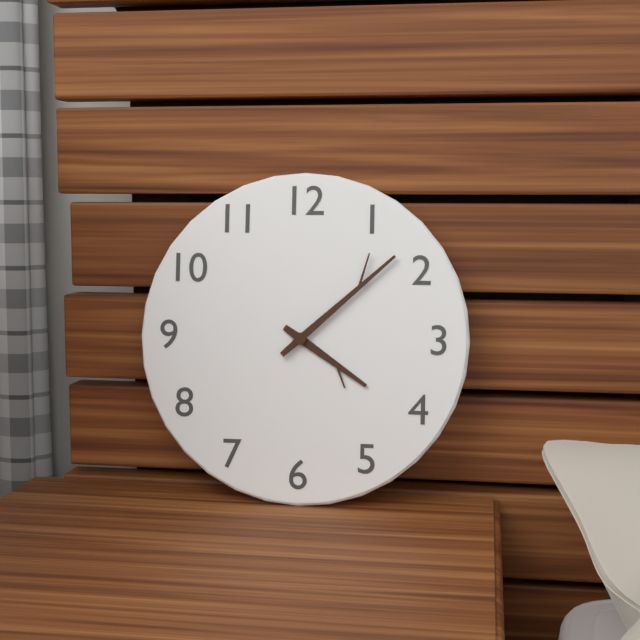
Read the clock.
4:08
